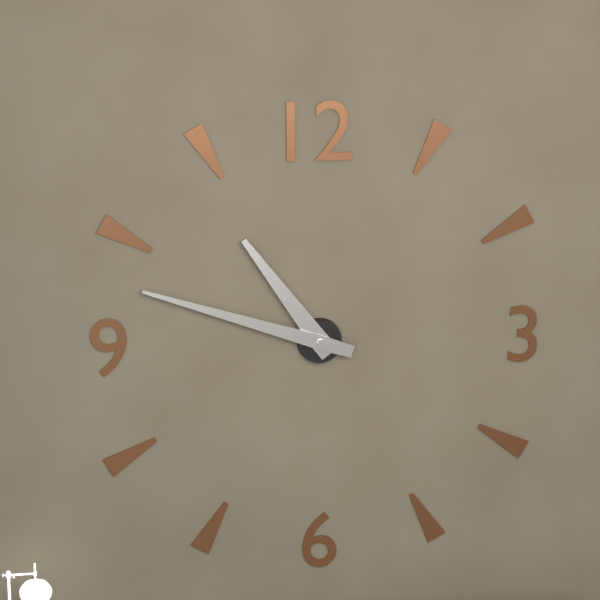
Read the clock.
10:48
